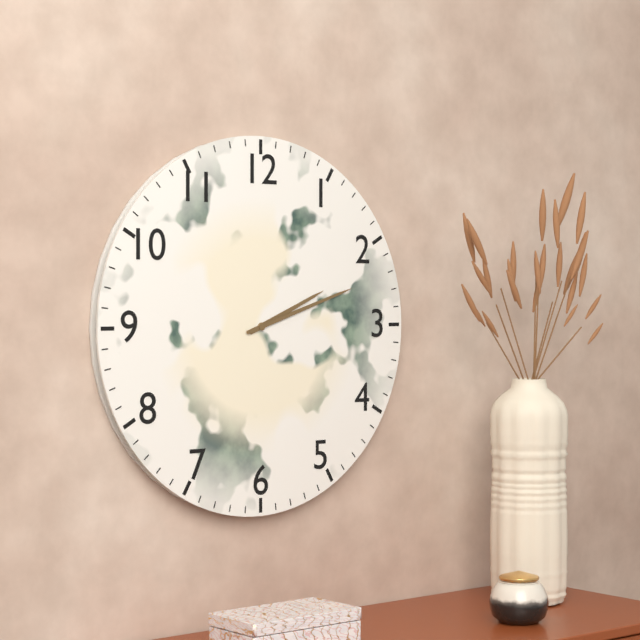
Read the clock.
2:12
